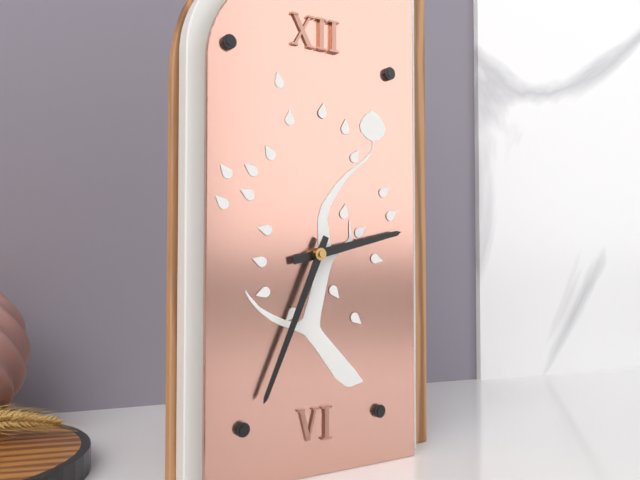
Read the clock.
2:34
